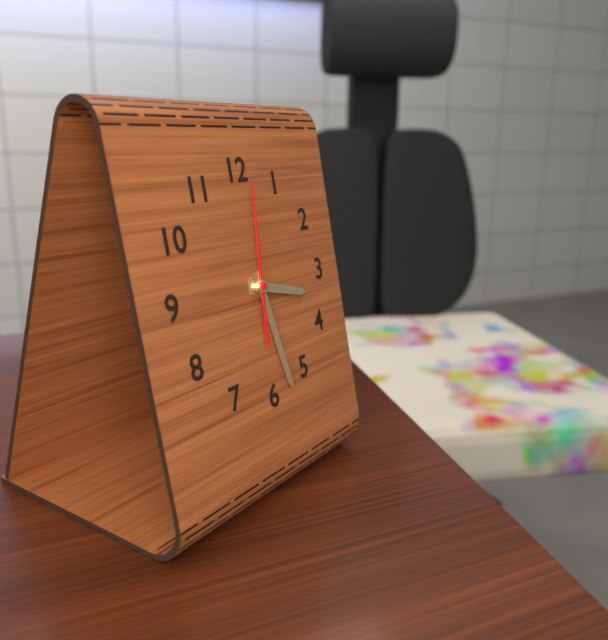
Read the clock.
3:28:01
